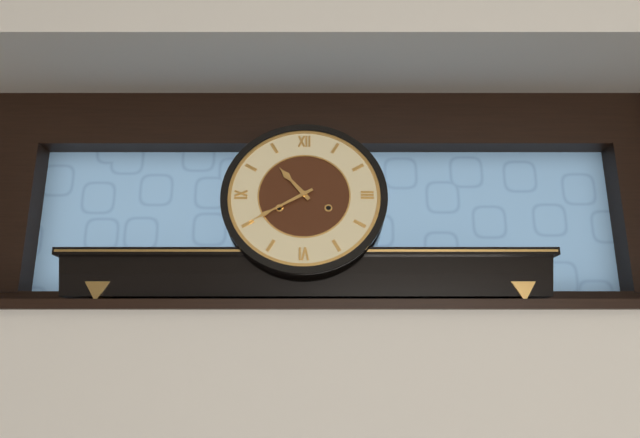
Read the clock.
10:40
